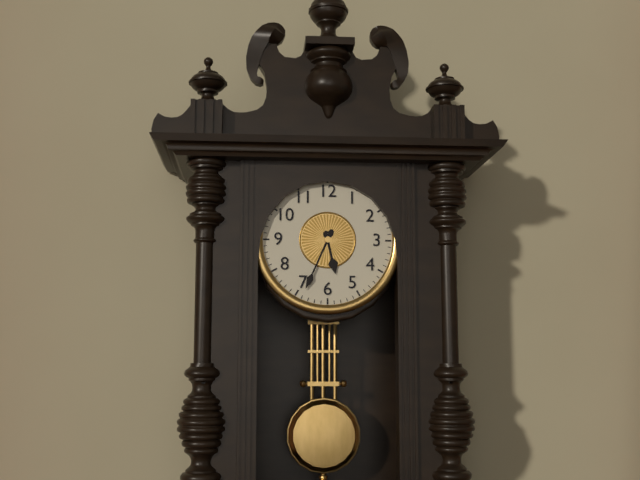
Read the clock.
5:34
